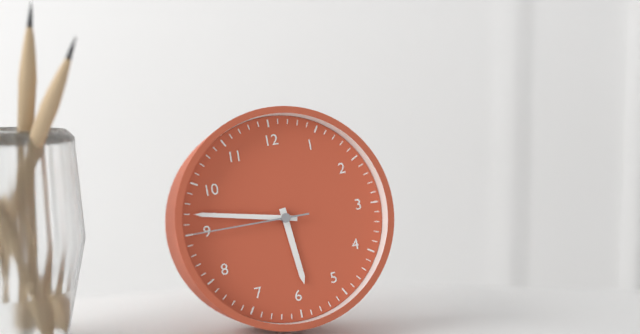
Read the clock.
5:47:45
